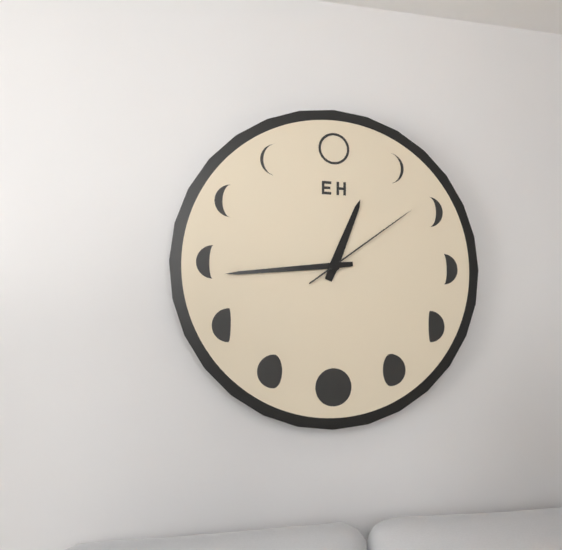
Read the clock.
12:44:09
